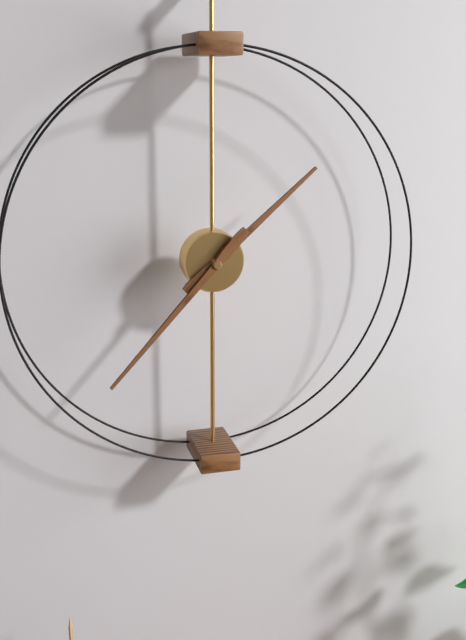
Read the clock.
1:37
